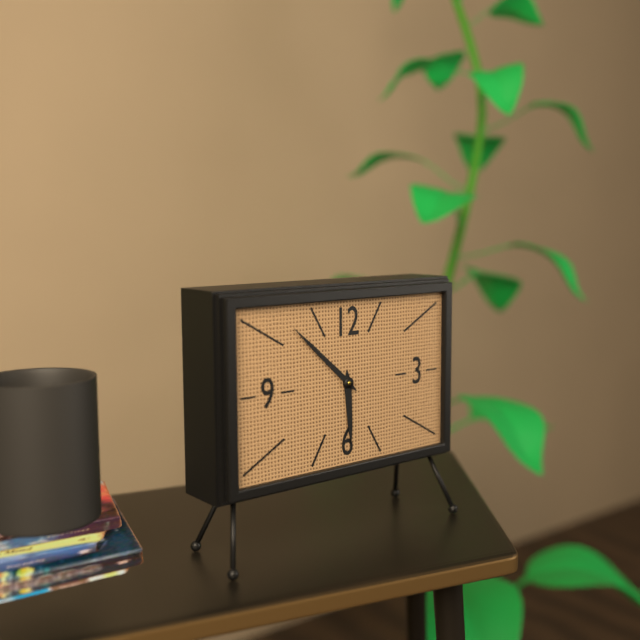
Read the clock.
5:52
